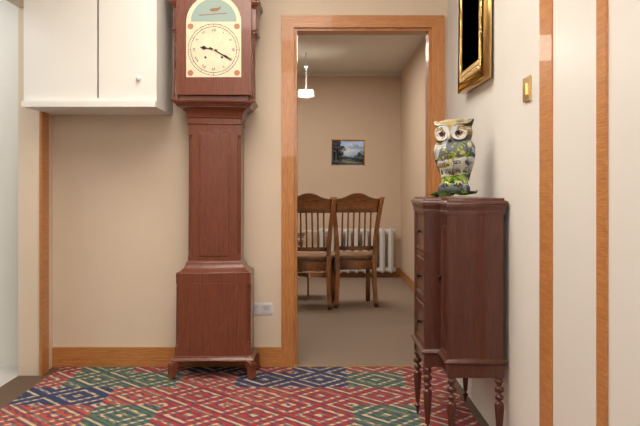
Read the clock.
9:20
